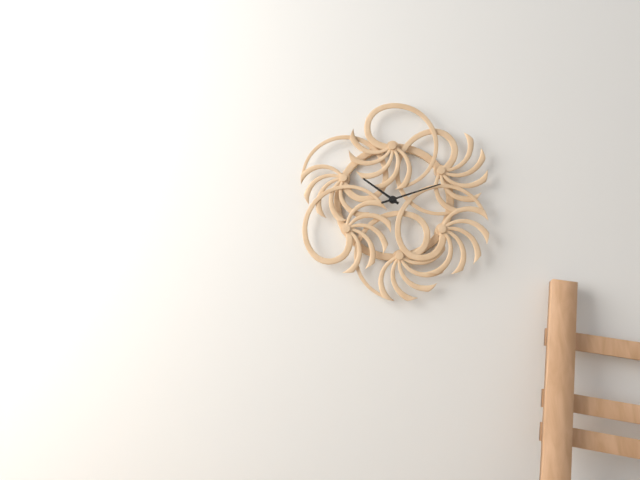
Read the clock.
10:12
